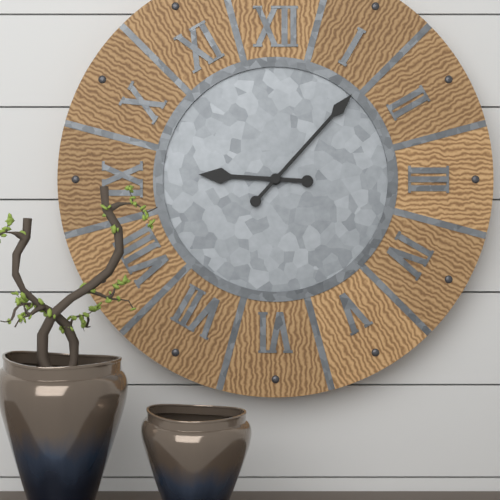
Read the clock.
9:07
